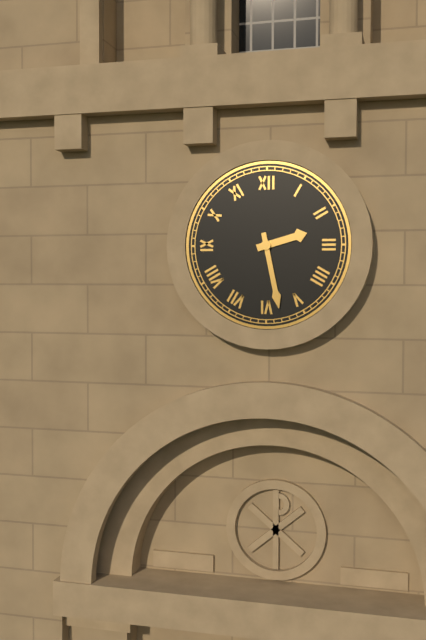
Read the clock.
2:28
